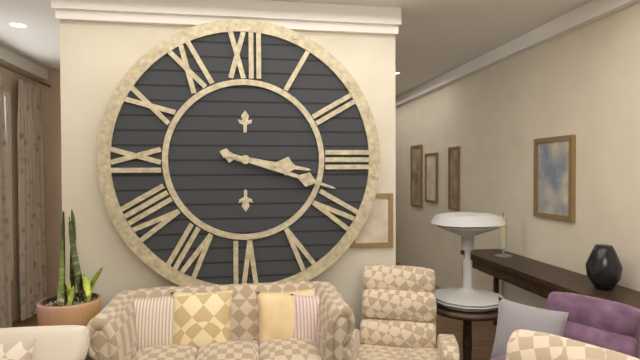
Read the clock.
3:18
